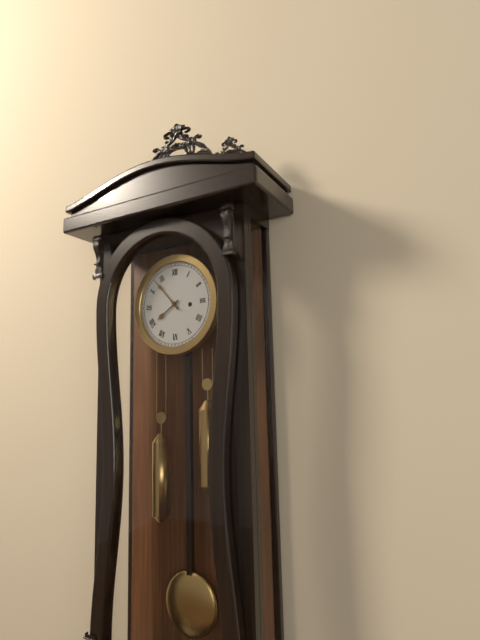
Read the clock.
7:53
